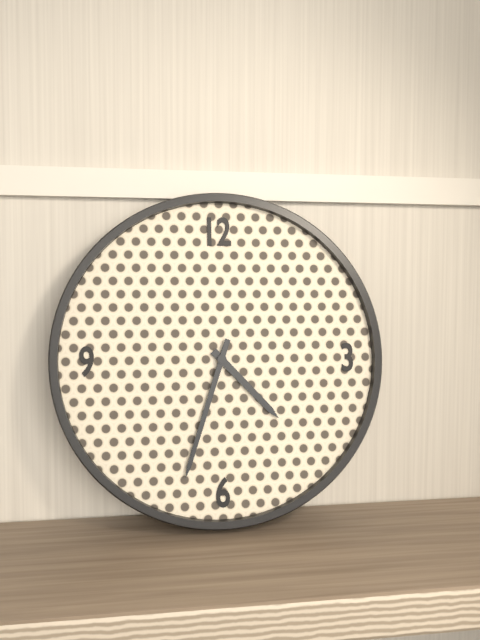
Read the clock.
4:33
